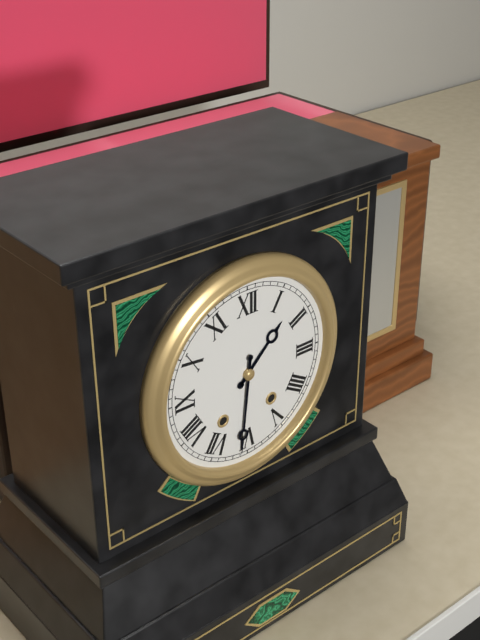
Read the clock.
1:31
